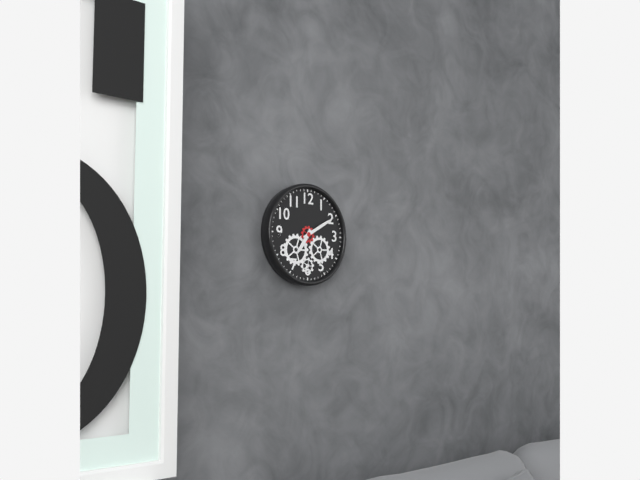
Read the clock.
7:10
